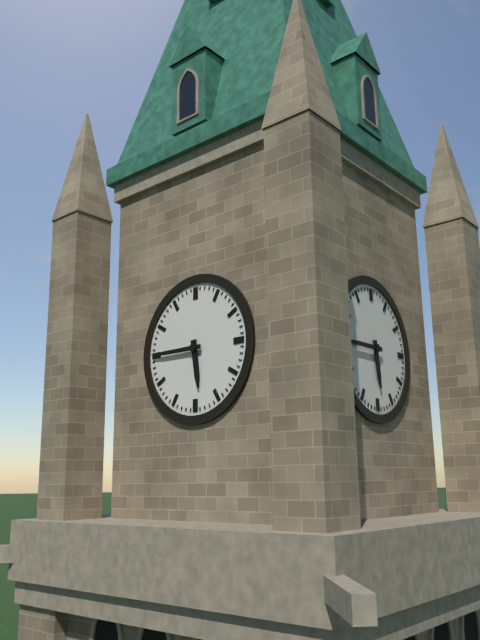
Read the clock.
5:45
